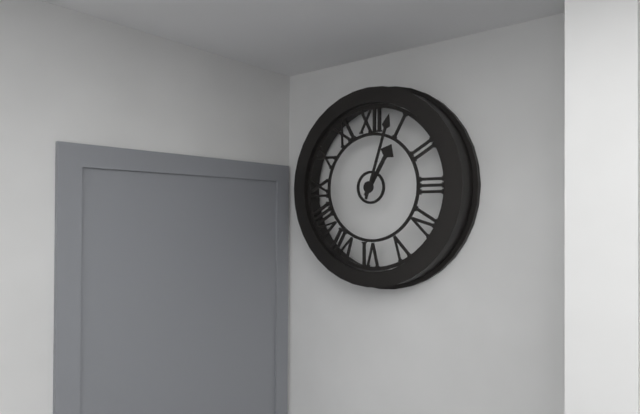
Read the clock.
1:03
